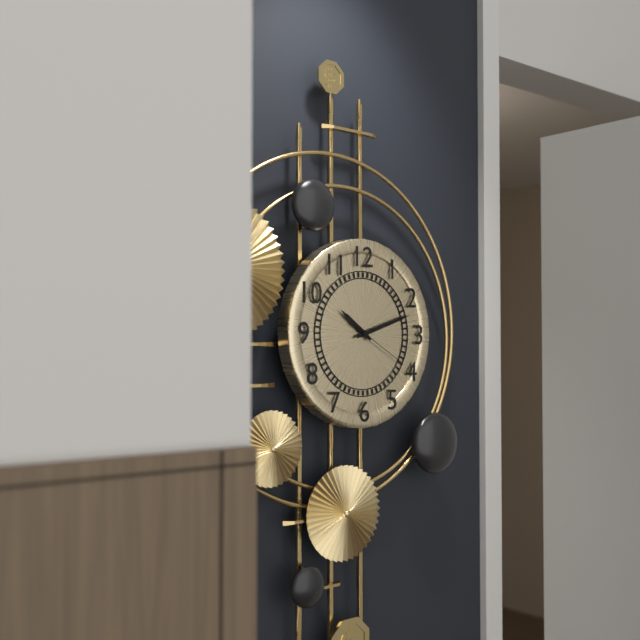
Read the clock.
10:12:20
